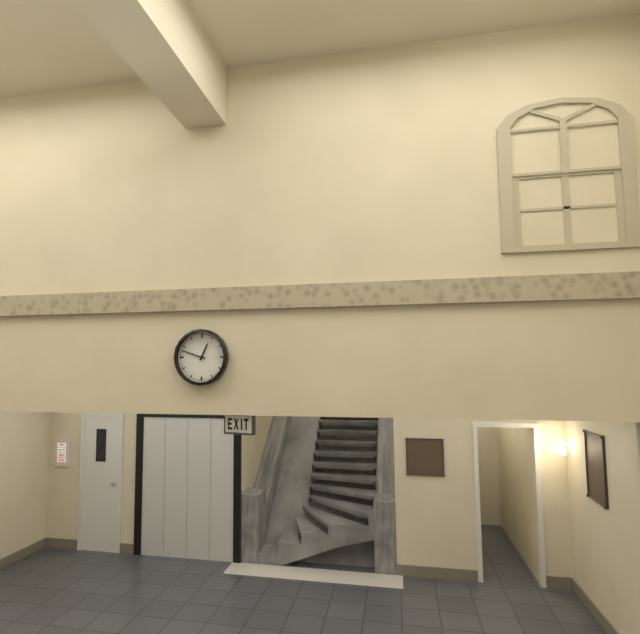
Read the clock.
12:48
